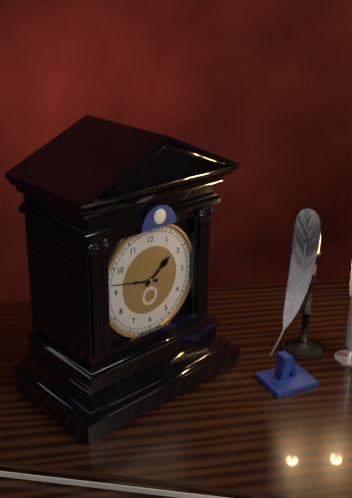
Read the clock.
1:47
